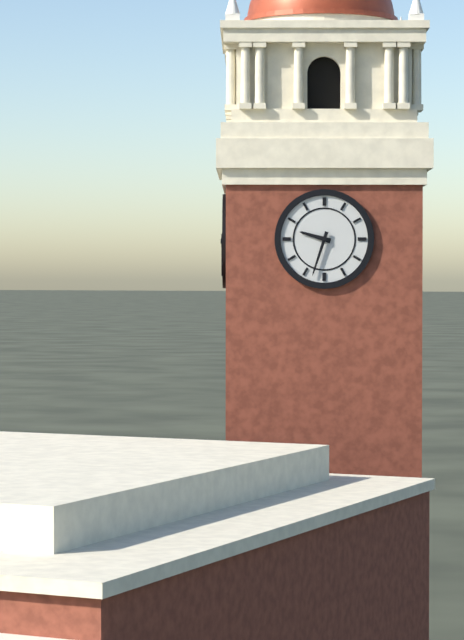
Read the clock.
9:33
